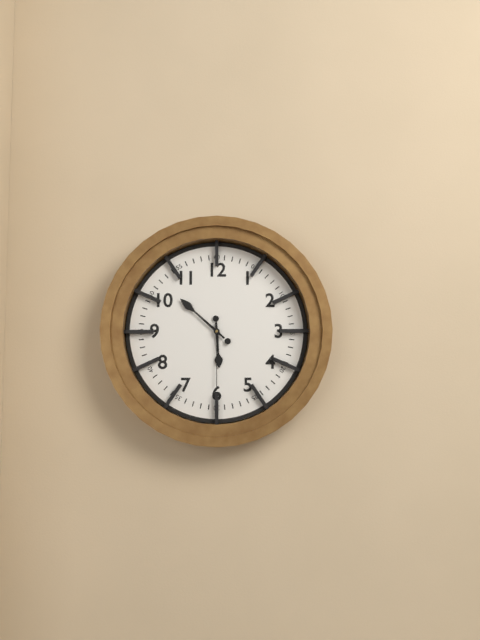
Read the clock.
5:52:30
